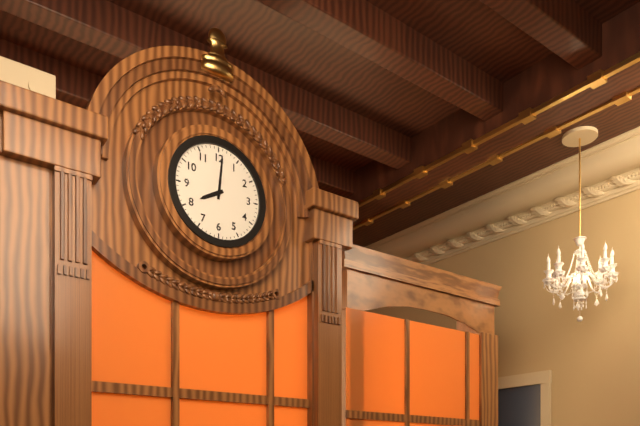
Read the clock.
8:01
